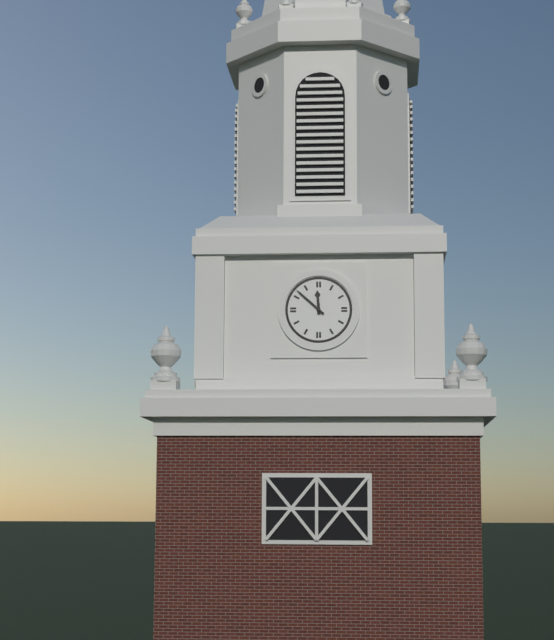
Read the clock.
11:52
